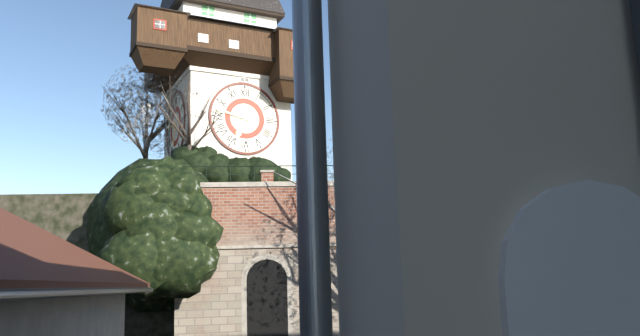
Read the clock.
6:47
